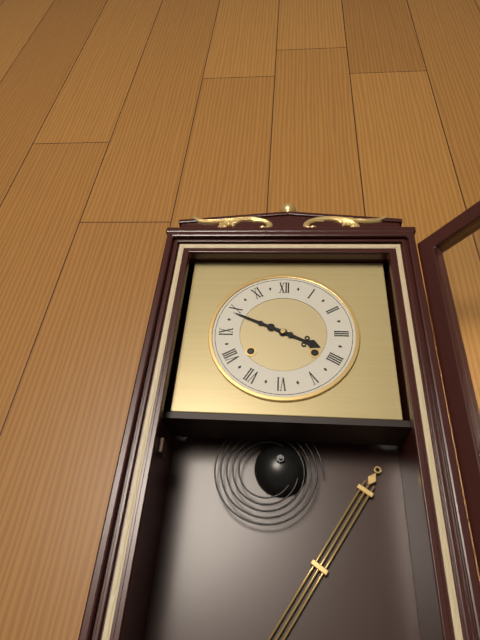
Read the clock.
3:49
